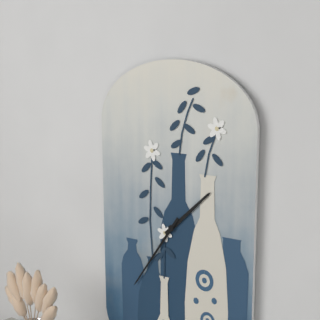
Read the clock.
1:36
